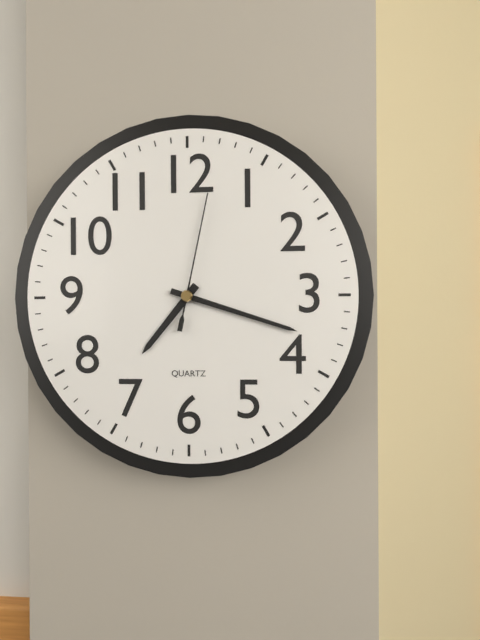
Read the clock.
7:18:02
